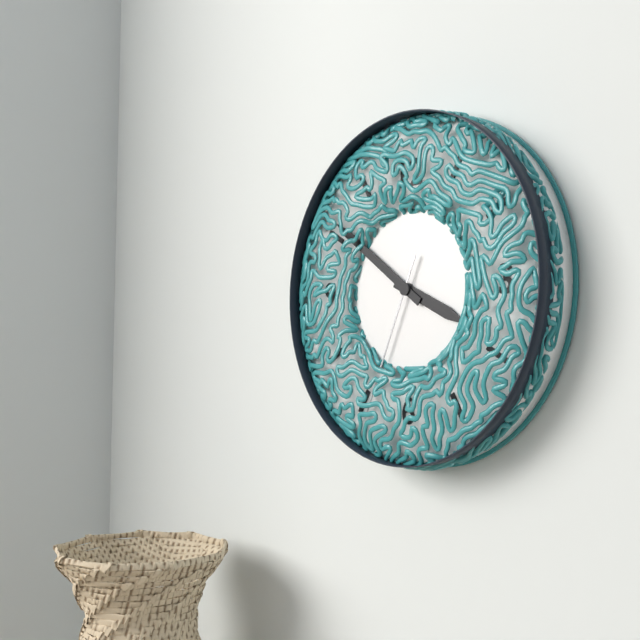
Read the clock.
3:51:34
